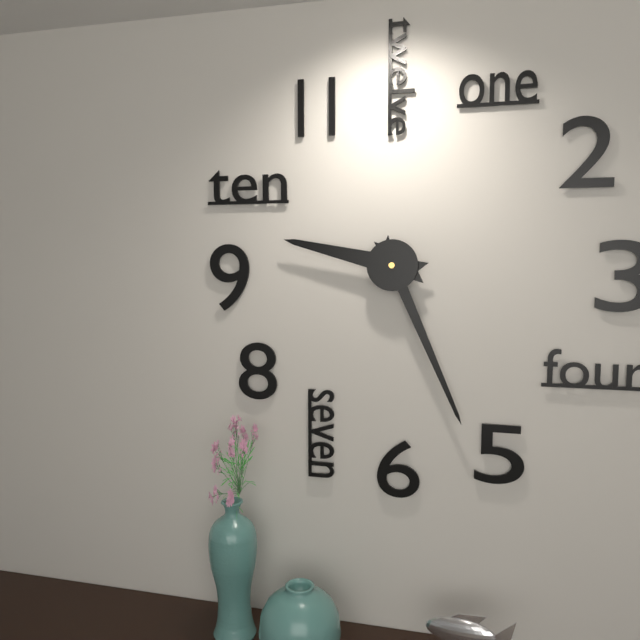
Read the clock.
9:26
